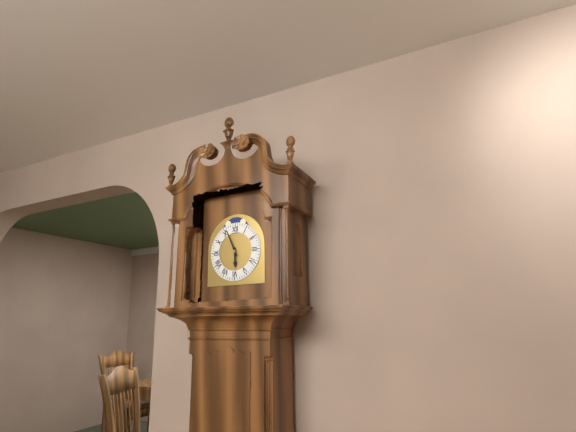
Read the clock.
5:56
